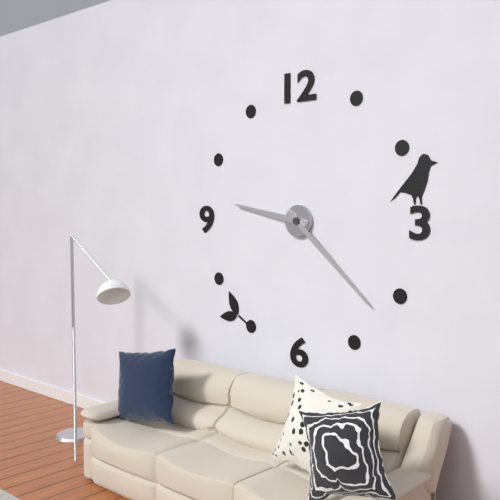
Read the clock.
9:22
